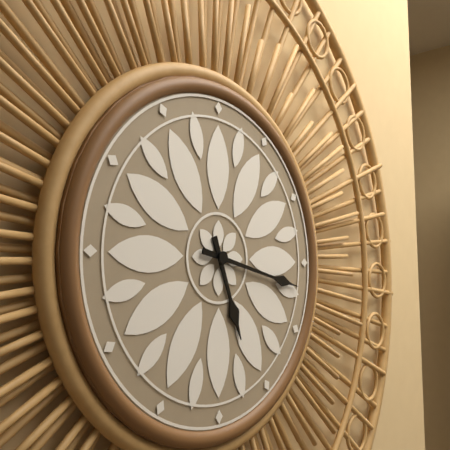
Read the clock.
5:17
